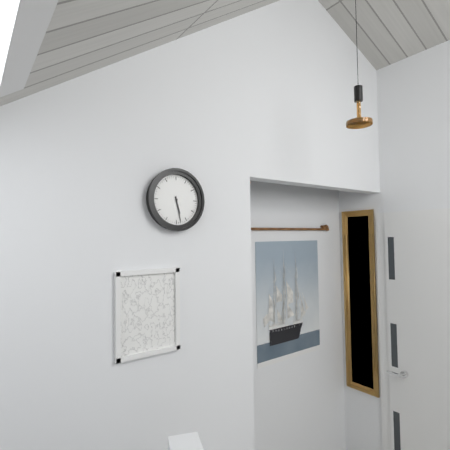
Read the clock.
5:28
